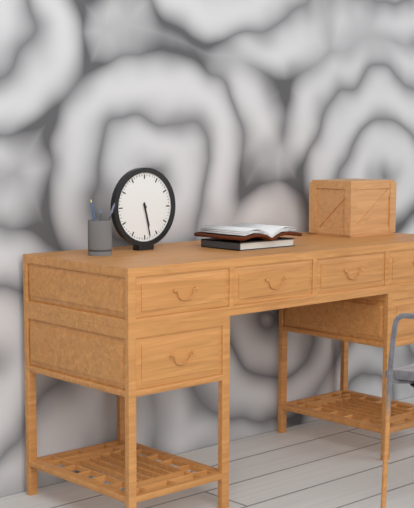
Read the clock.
5:28
